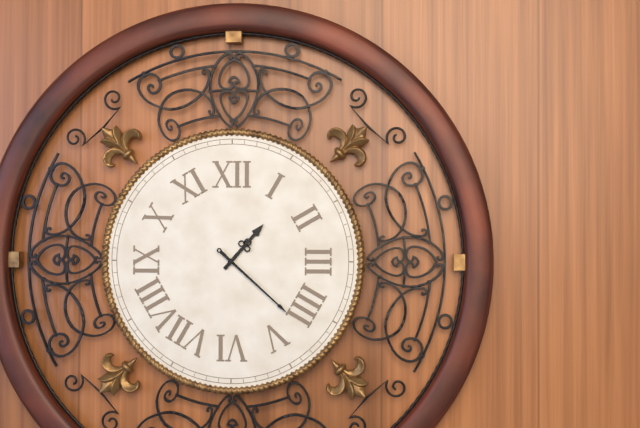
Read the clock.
1:22
